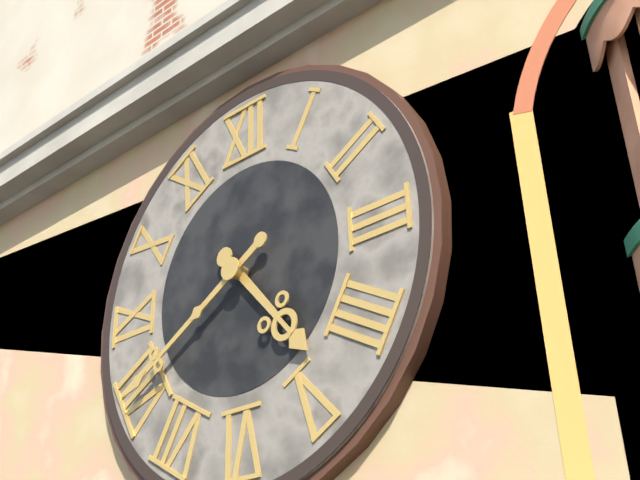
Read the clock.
4:40
